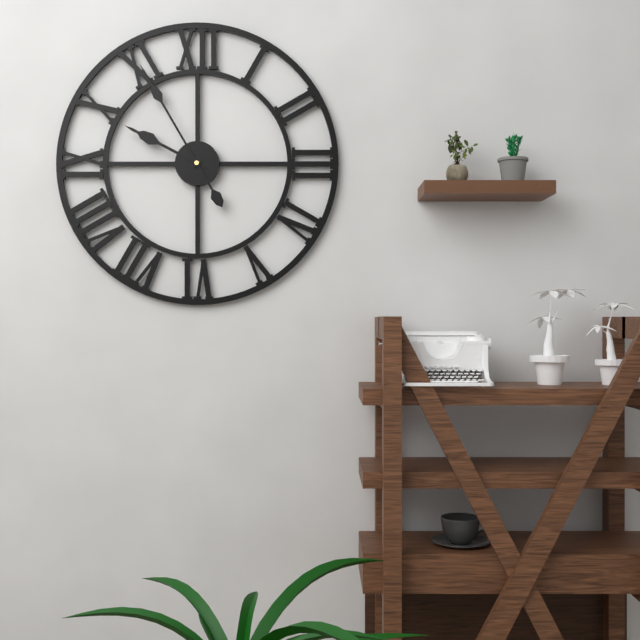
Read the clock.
9:55
